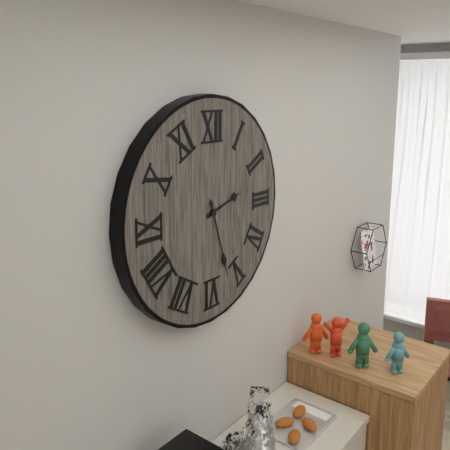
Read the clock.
2:27
